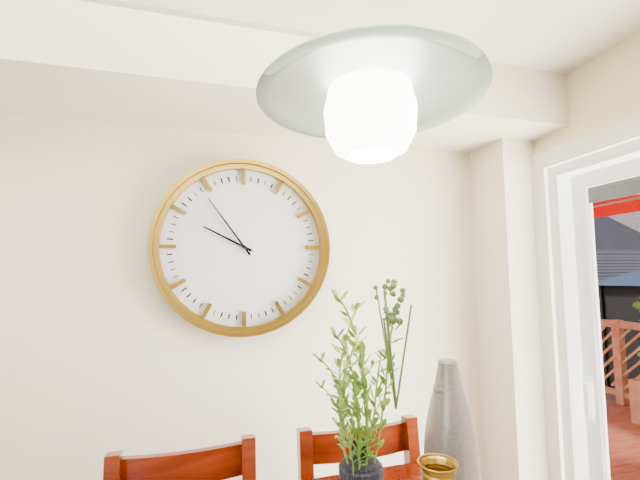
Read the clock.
9:54
